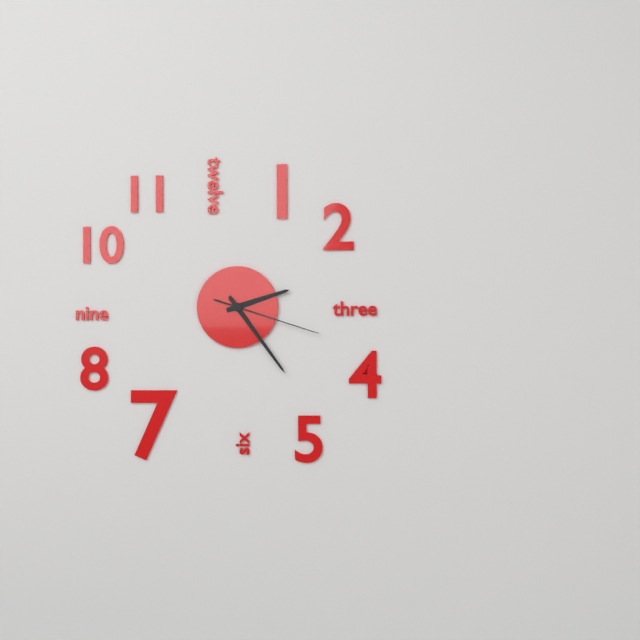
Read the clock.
2:24:18
